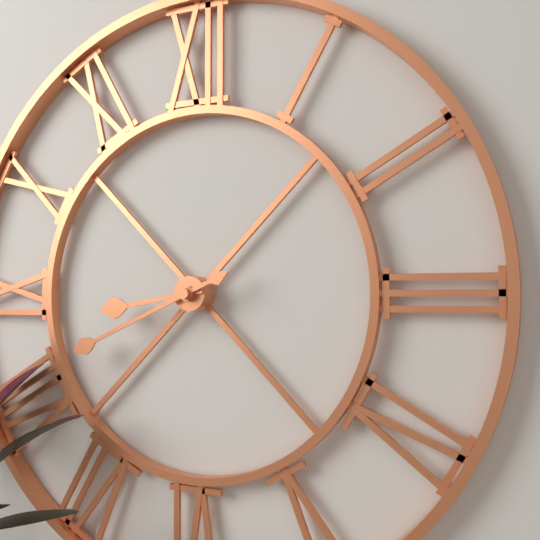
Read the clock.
8:41
